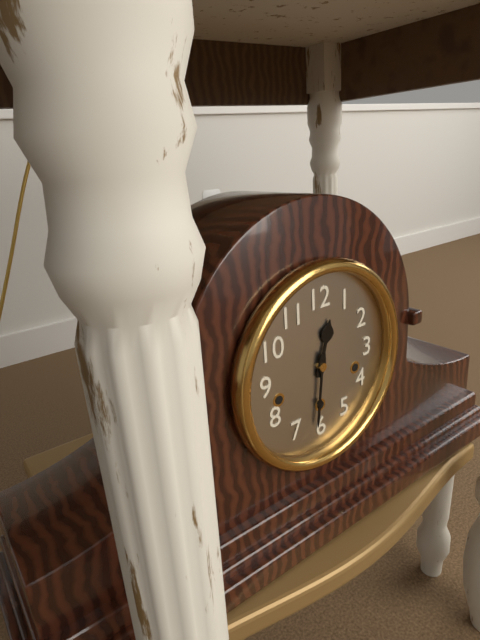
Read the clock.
12:31
